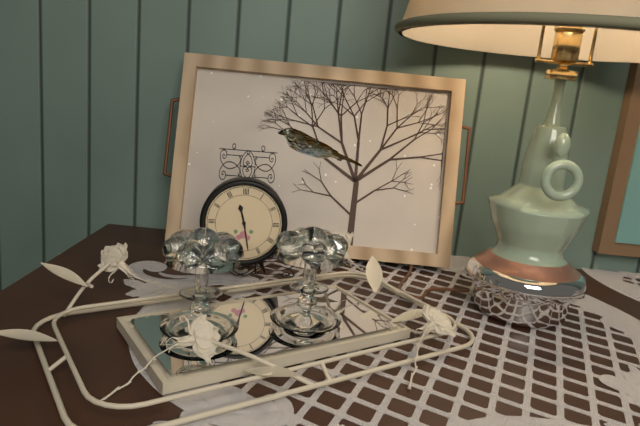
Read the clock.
11:28
